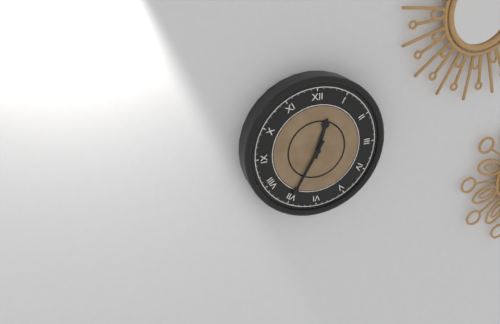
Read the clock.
12:35
